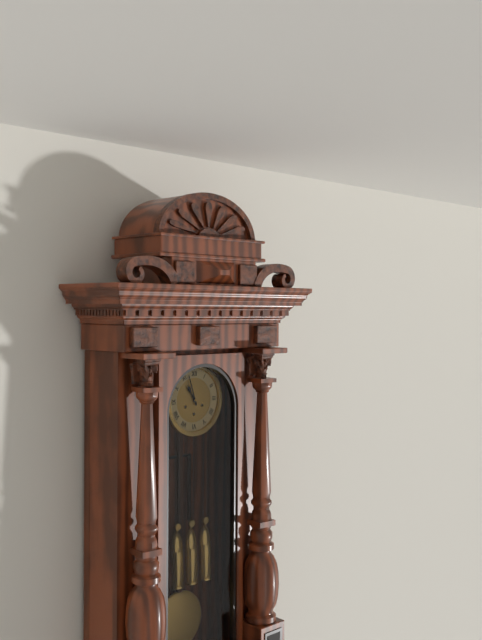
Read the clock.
10:57
